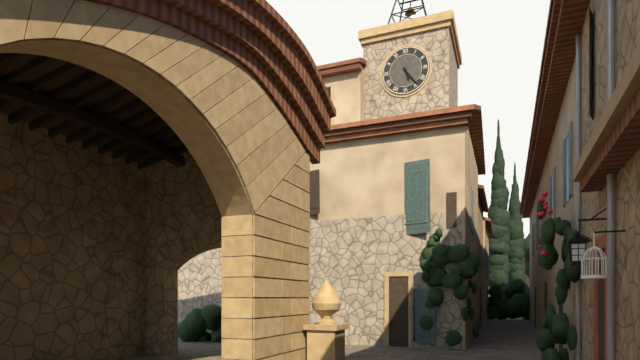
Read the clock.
5:24
